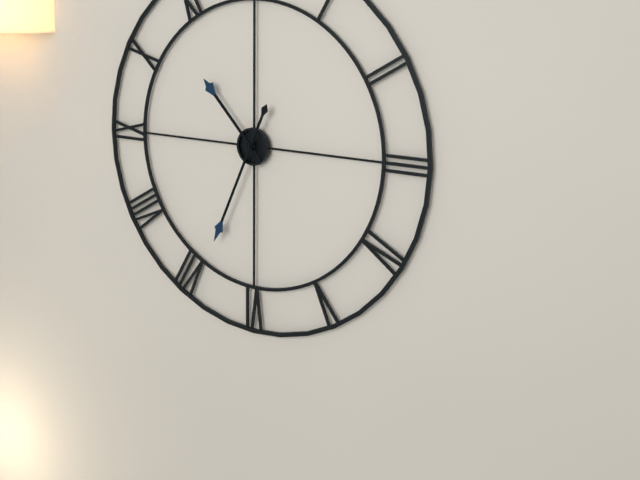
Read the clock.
10:34
